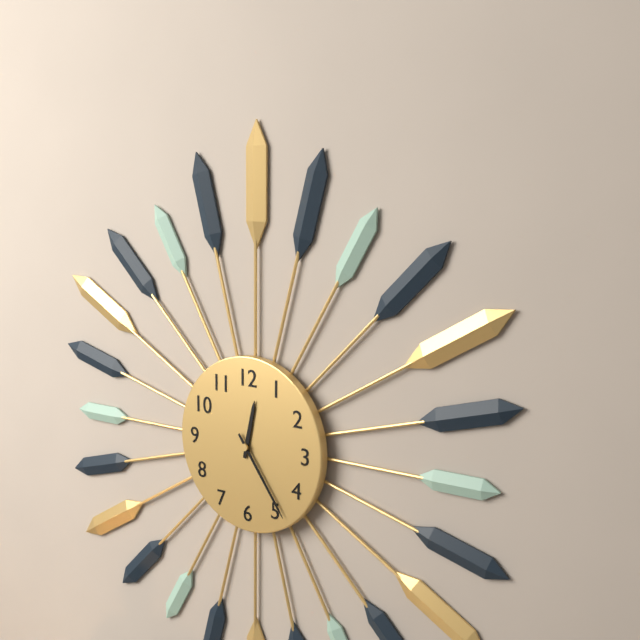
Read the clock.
12:24
